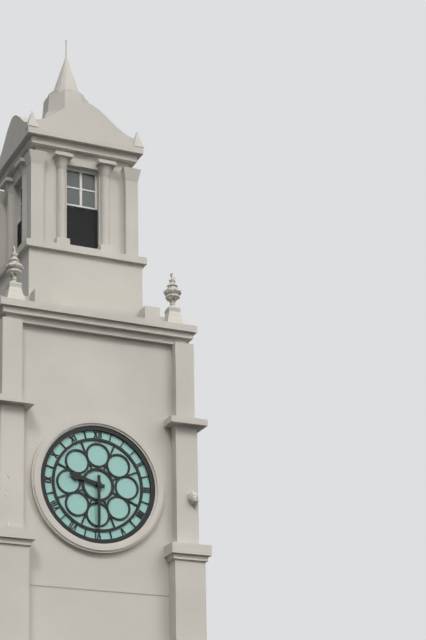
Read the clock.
9:30
